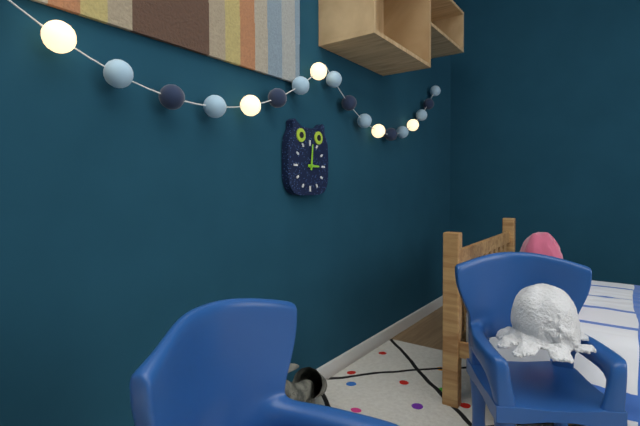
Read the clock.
3:01
